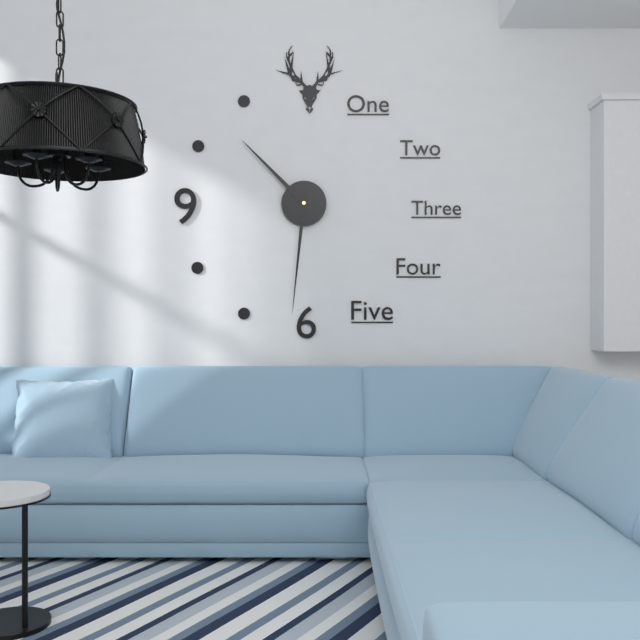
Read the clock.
10:31
